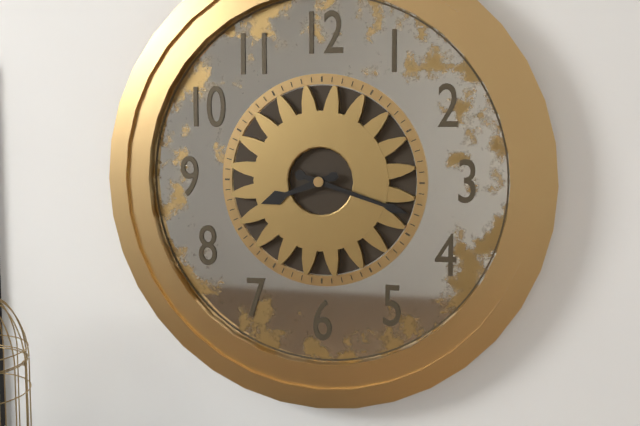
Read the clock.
8:18
